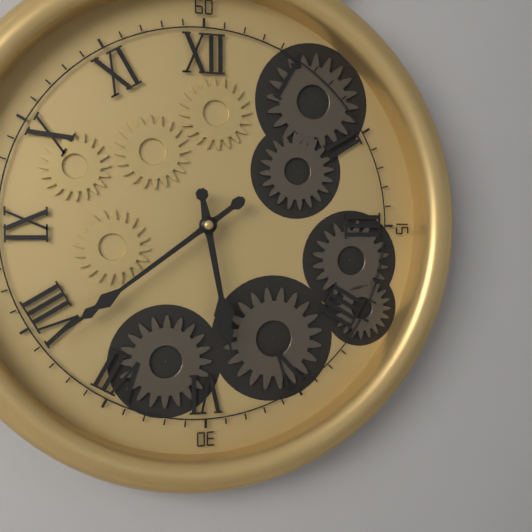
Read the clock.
5:39
